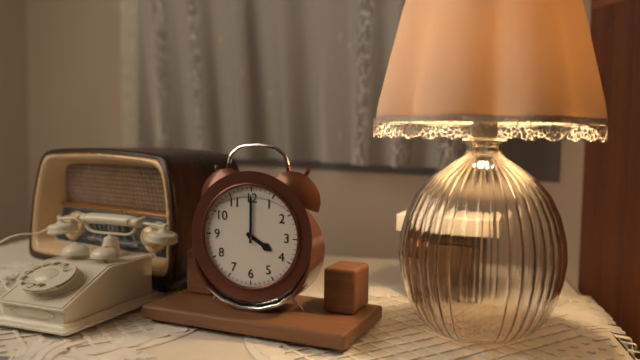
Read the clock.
4:00
